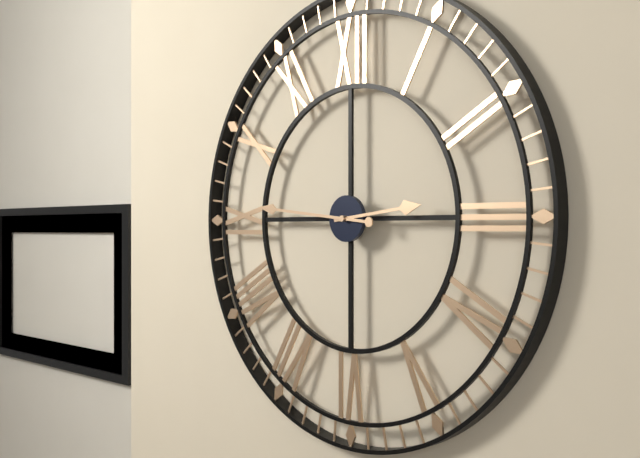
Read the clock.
2:46
